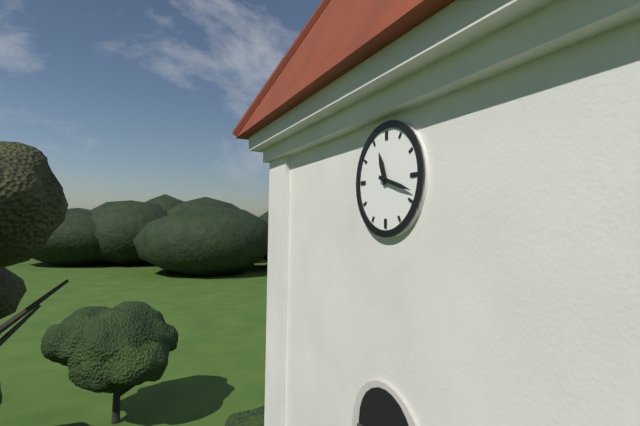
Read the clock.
11:18
